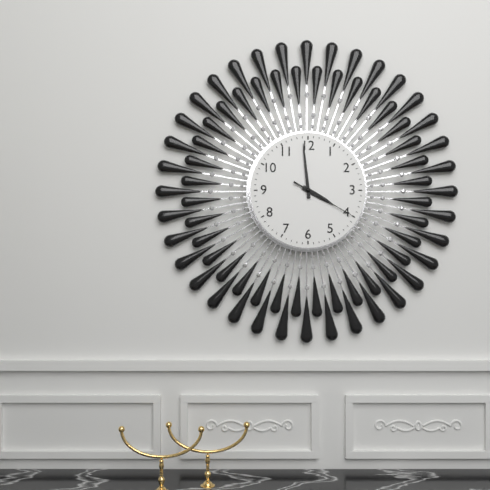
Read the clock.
3:59:20
